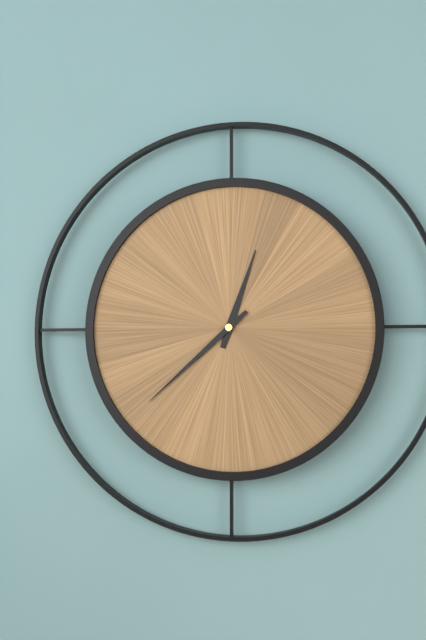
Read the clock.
12:38
